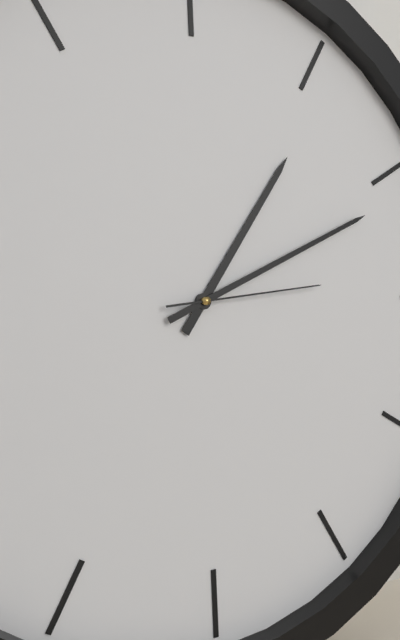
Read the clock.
1:11:14
